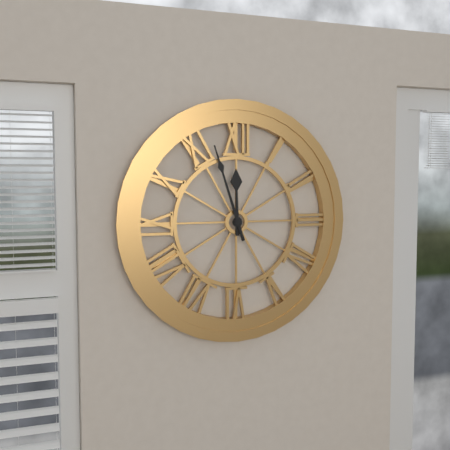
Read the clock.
11:57
